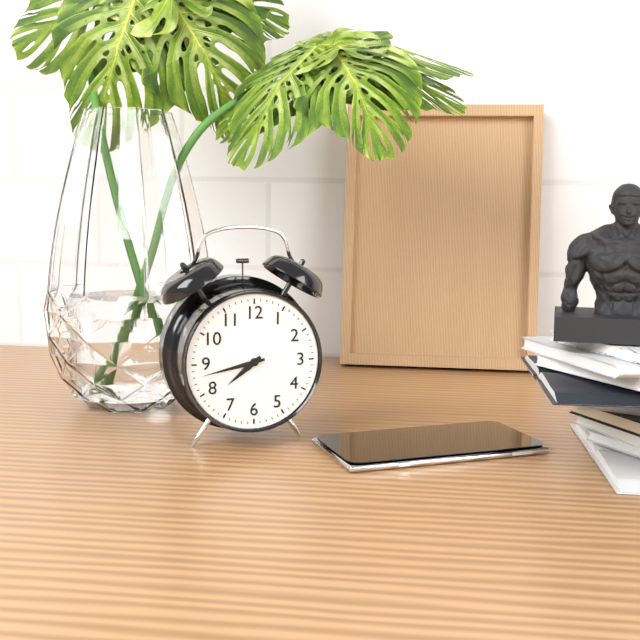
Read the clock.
7:43
